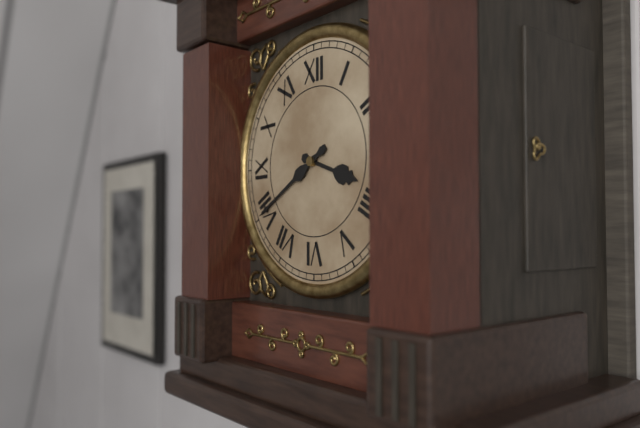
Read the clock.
3:40
